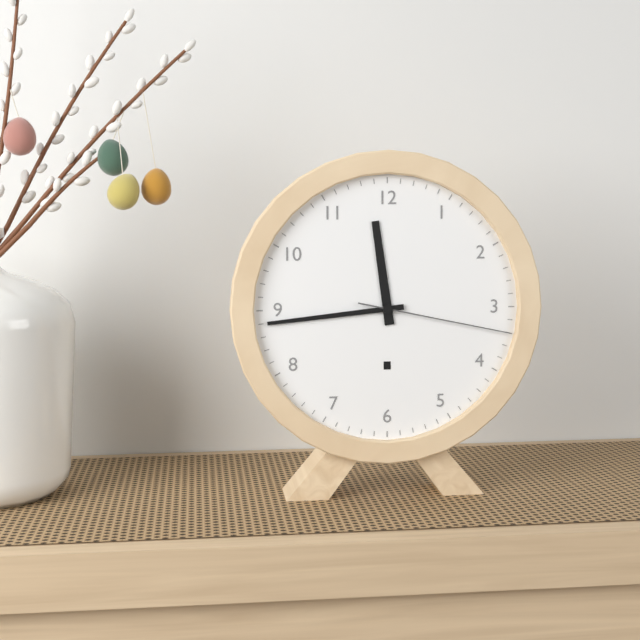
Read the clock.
11:44:17
